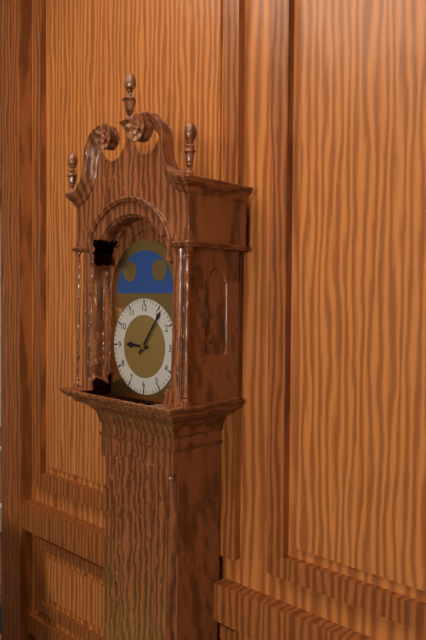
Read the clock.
9:06
